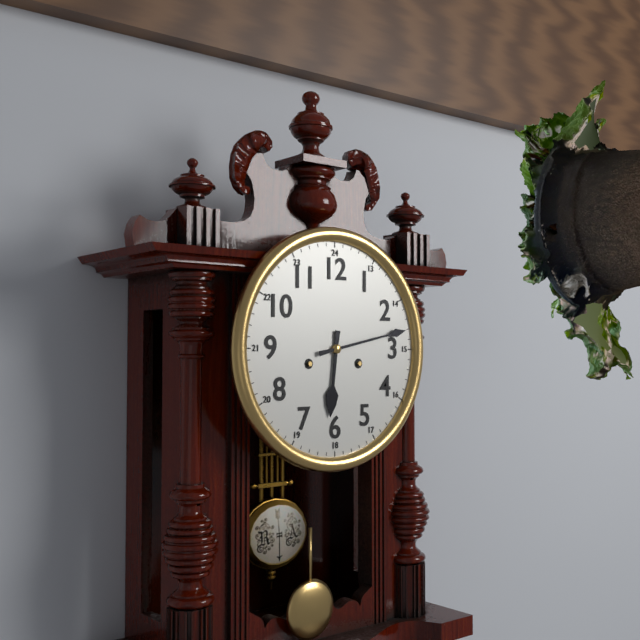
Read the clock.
6:13
